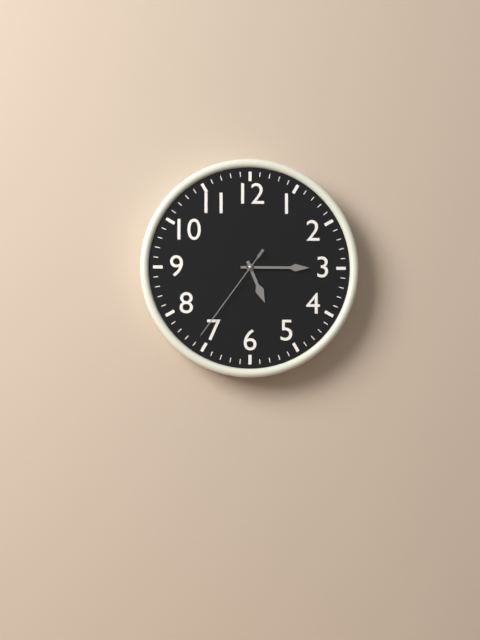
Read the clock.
5:15:36
